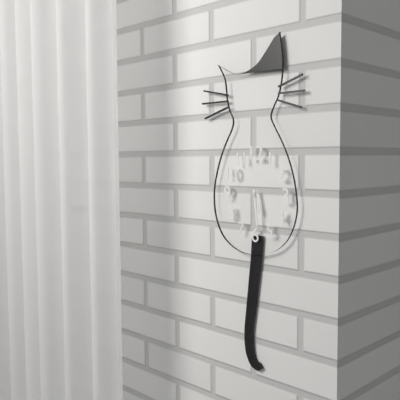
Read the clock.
5:29
